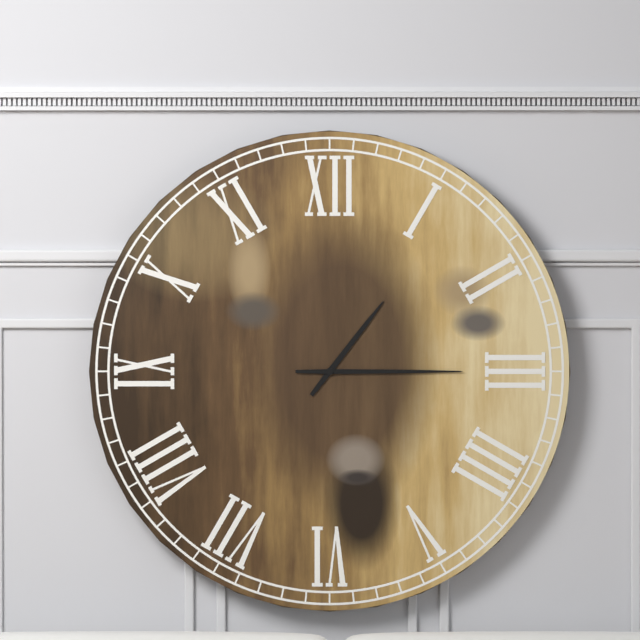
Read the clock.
1:15
